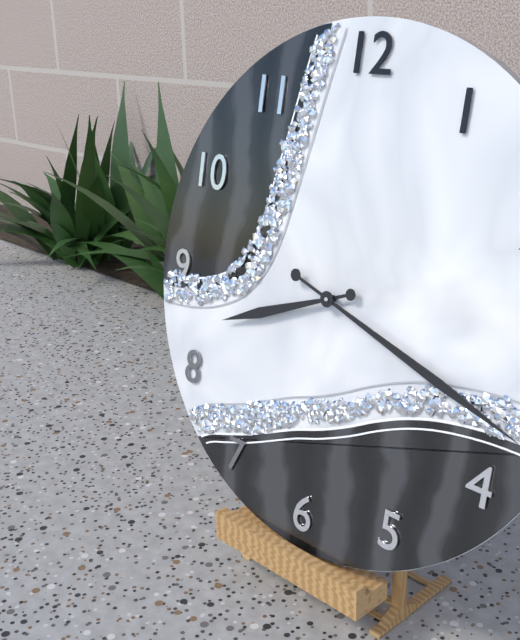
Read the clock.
8:18
